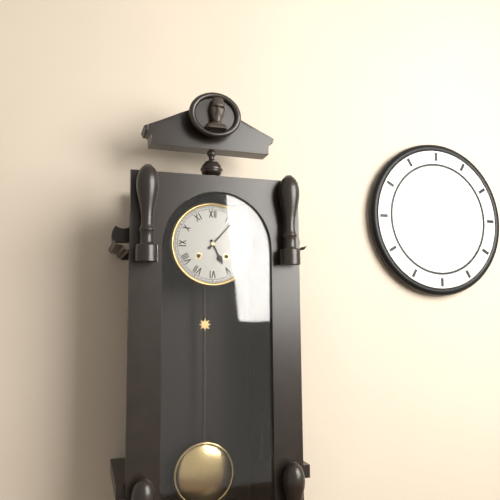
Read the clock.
5:07
